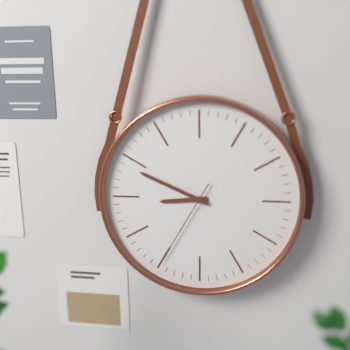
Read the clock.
8:49:35
